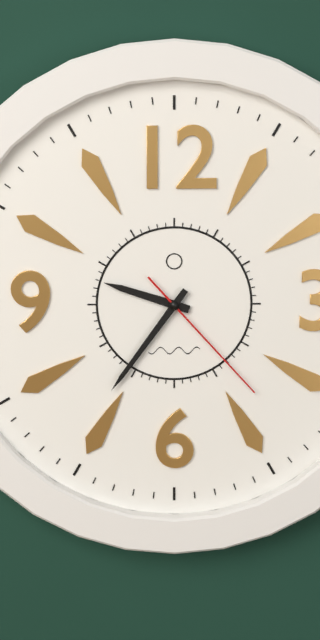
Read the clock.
9:36:23
